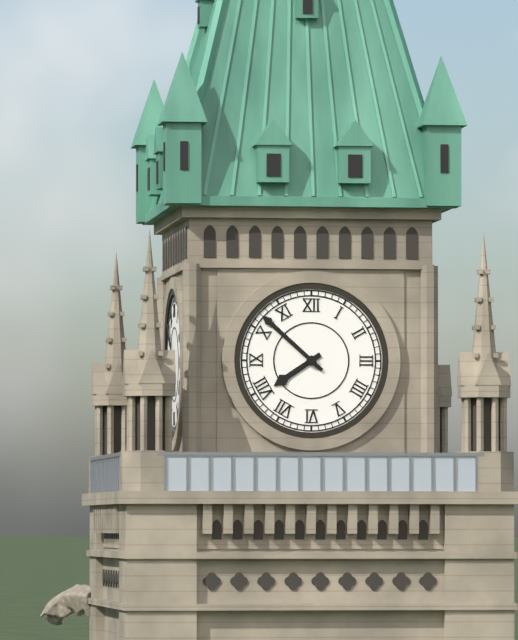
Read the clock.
7:52
